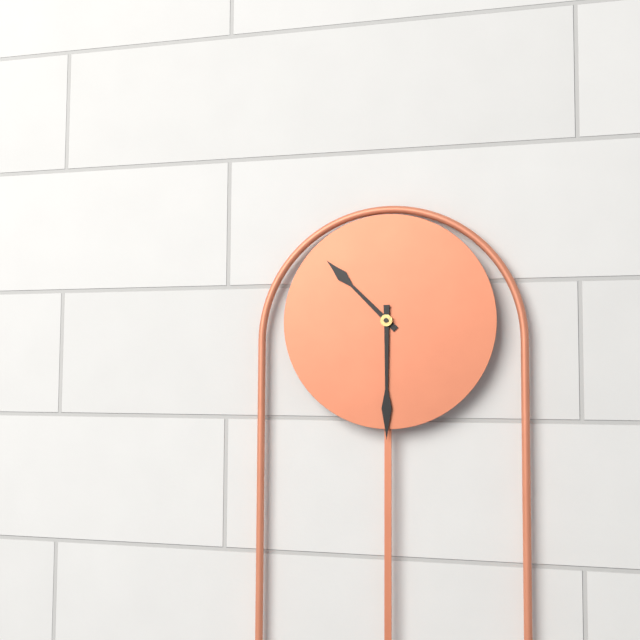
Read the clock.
10:30
